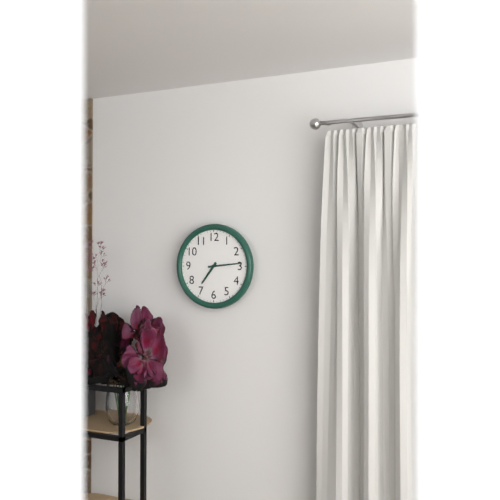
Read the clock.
7:14
